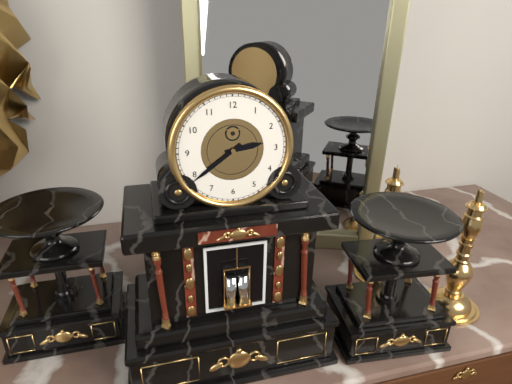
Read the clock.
2:39
